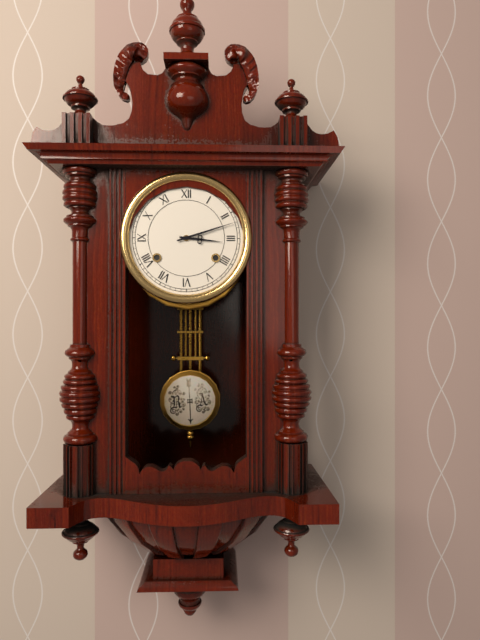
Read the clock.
3:12
